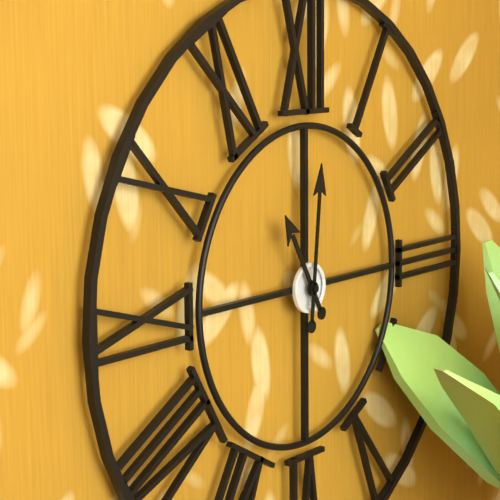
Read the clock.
11:01
